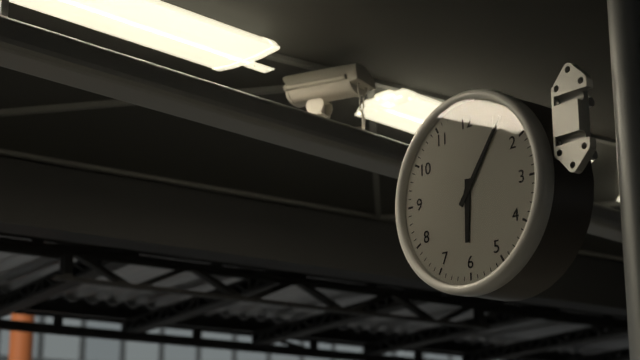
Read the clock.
6:06
